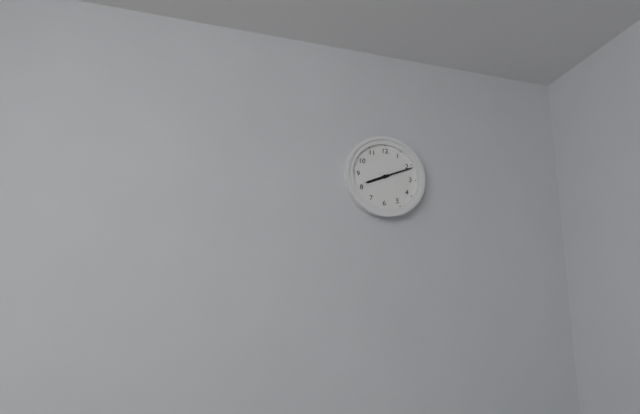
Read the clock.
8:11
